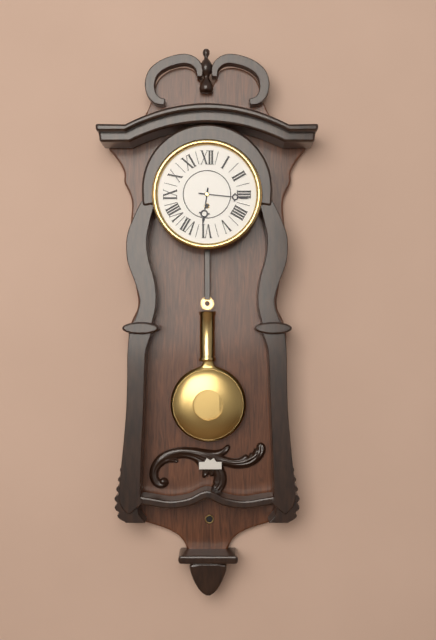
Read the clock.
6:16
